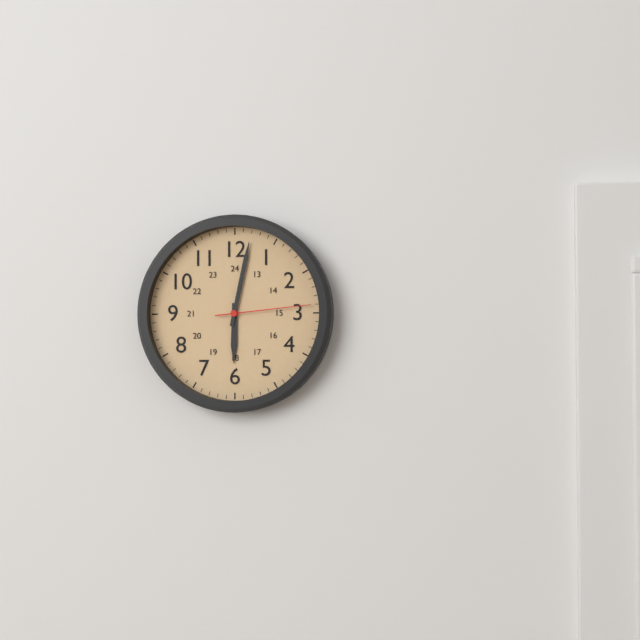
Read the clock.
6:02:14
